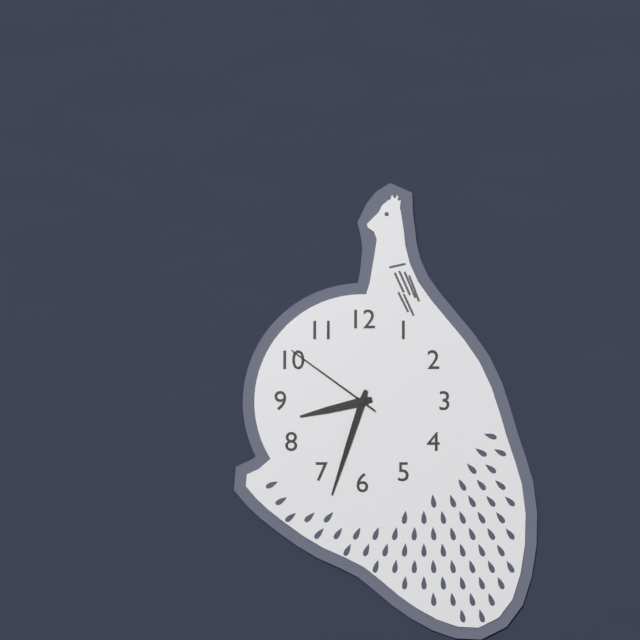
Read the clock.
8:33:51
